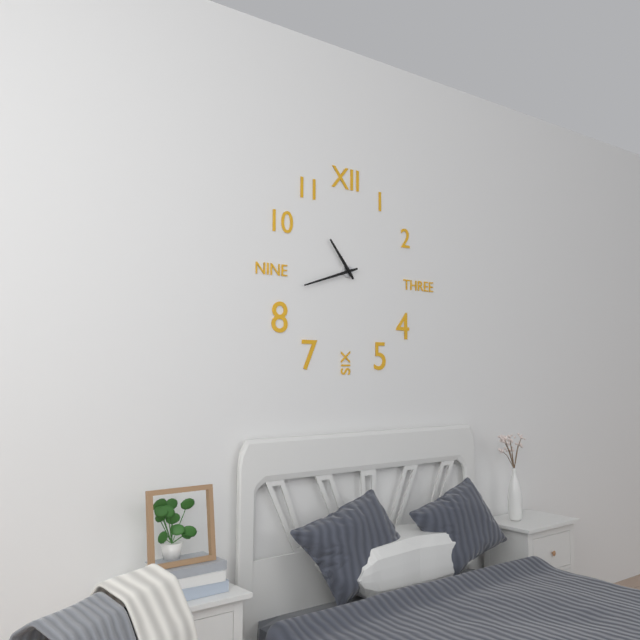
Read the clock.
10:42
